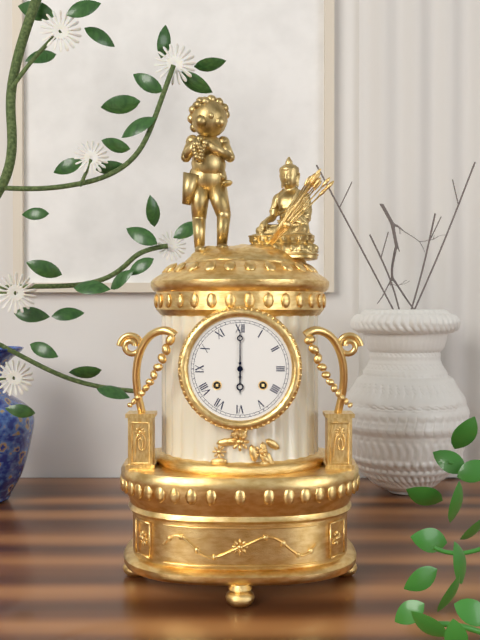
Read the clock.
6:00
